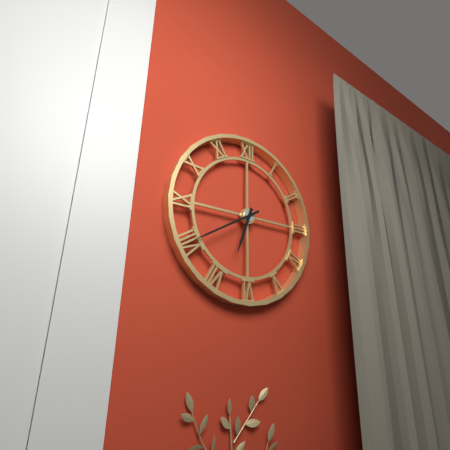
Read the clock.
6:40
